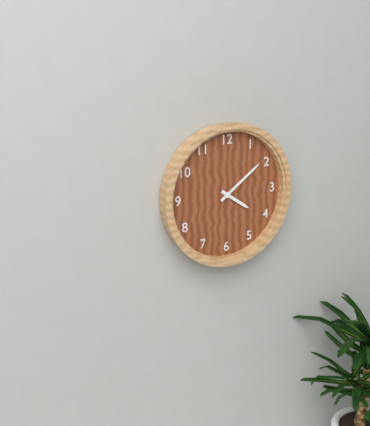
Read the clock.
4:09
